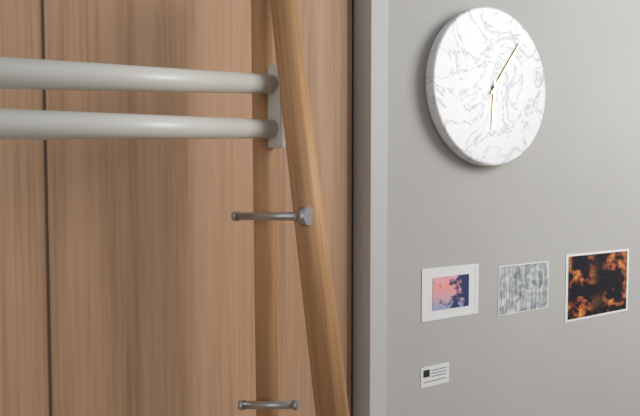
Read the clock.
6:06
